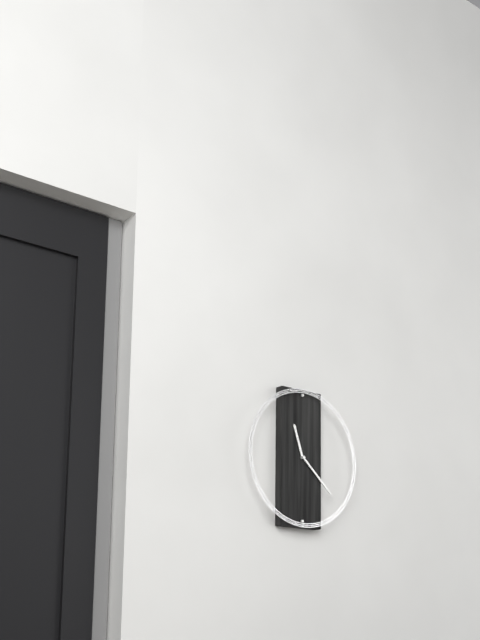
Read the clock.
11:22
